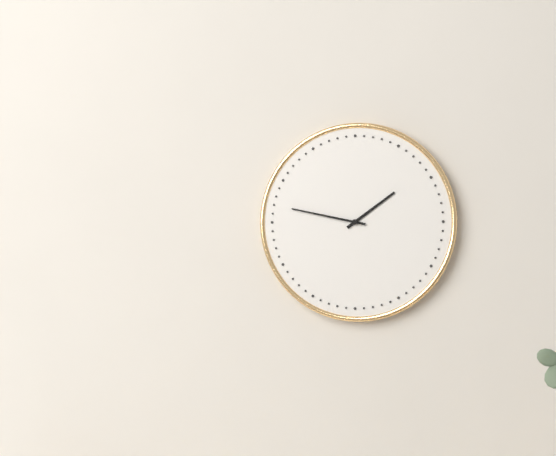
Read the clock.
1:47
